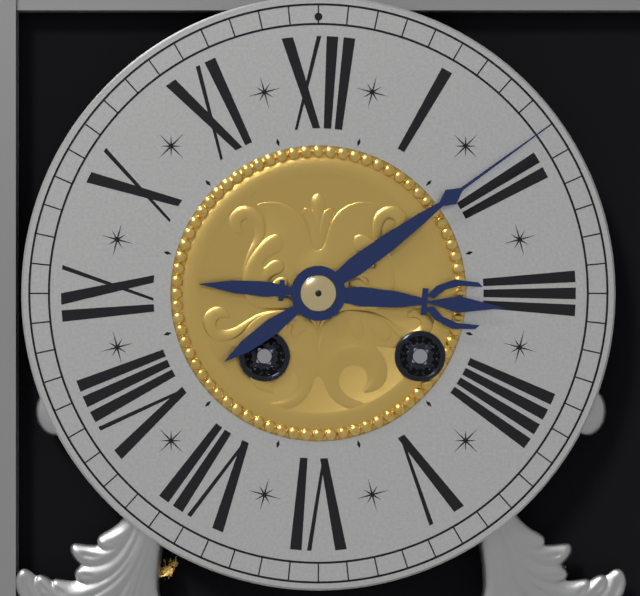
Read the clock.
3:09
